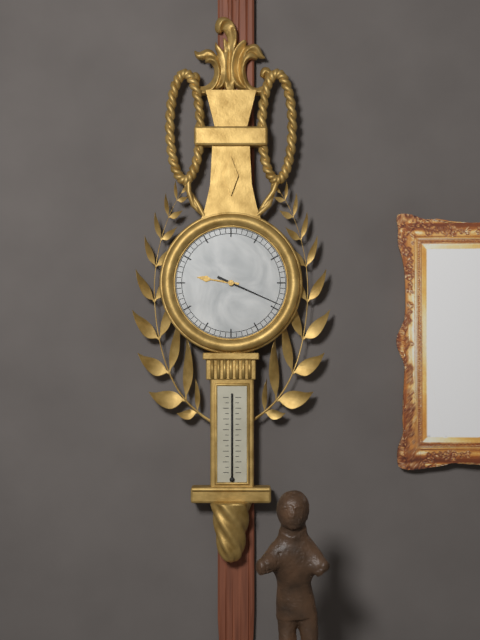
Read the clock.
9:19
